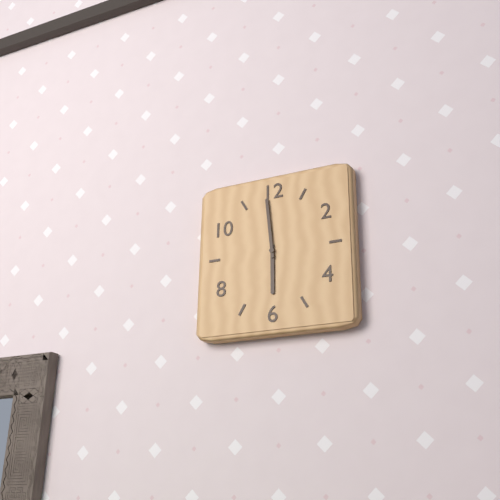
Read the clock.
5:59
